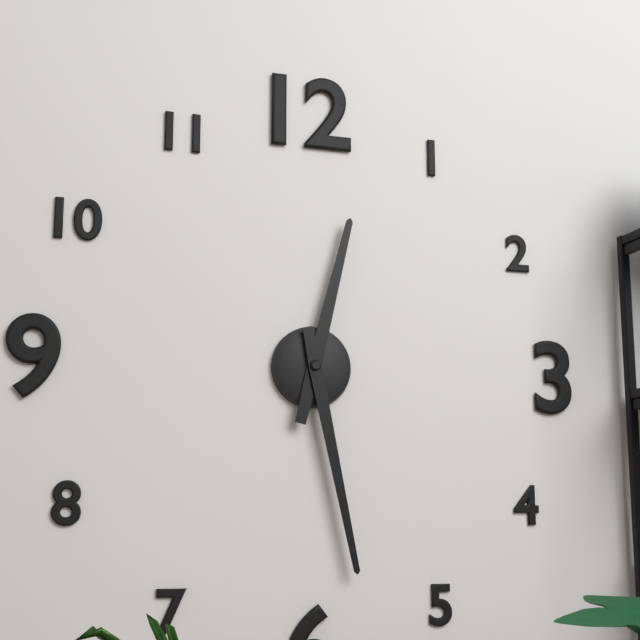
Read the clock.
12:28
